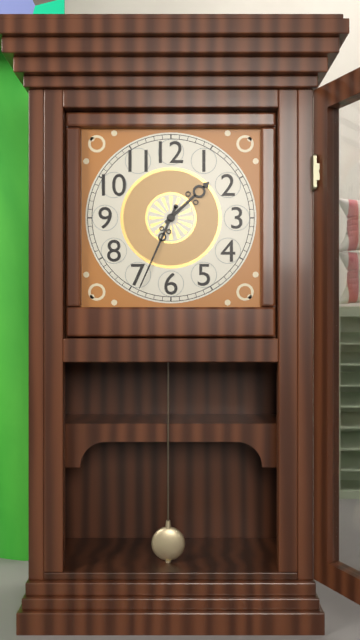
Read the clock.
1:34
